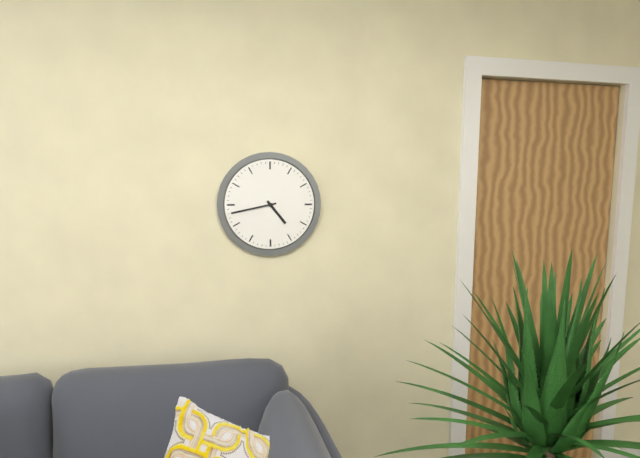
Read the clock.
4:43
